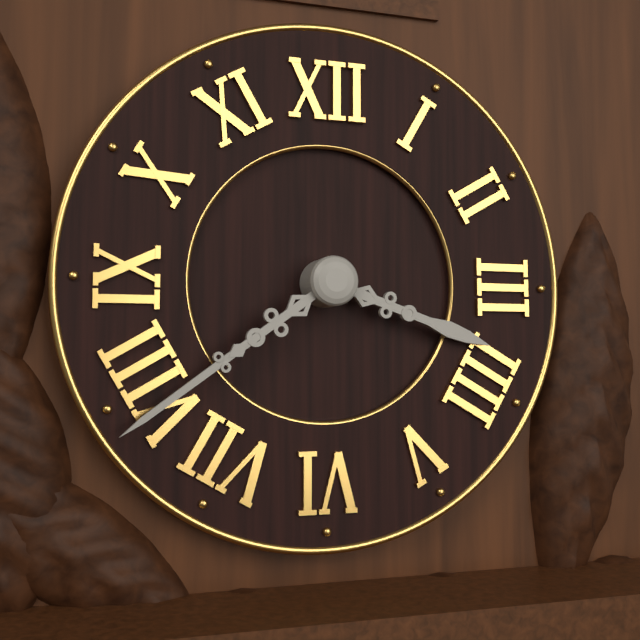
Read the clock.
3:39
